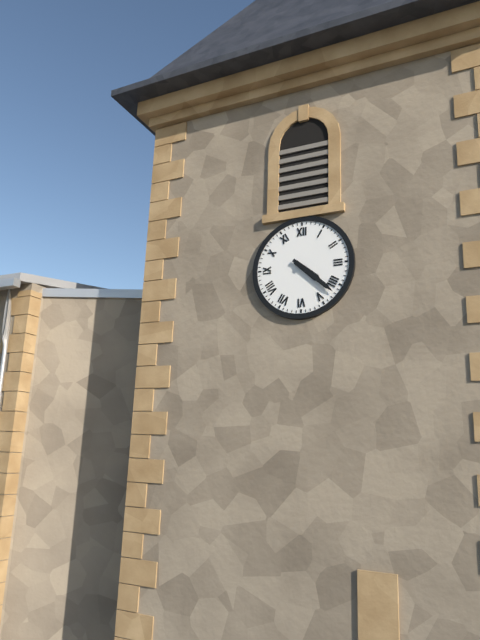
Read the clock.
4:22
